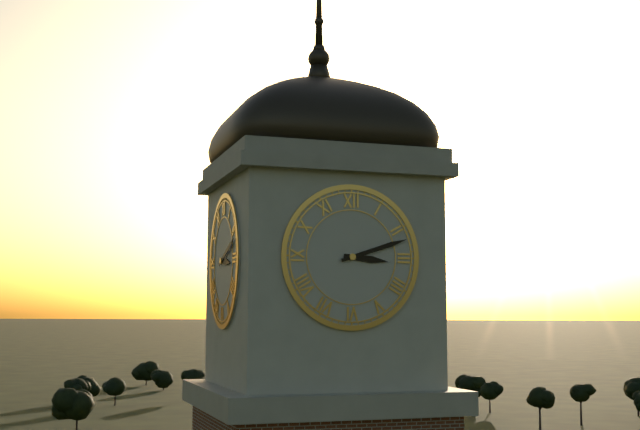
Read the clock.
3:12
